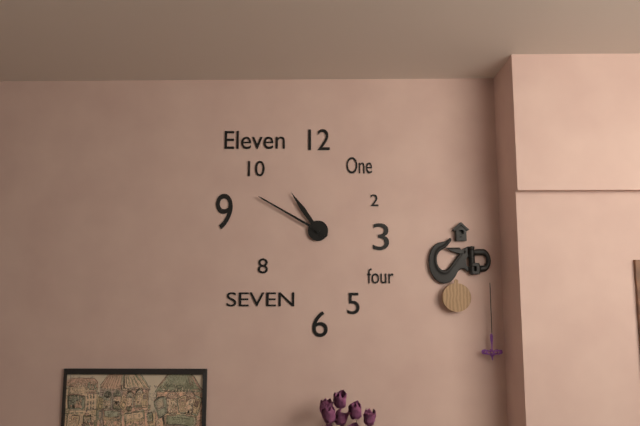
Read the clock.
10:50
